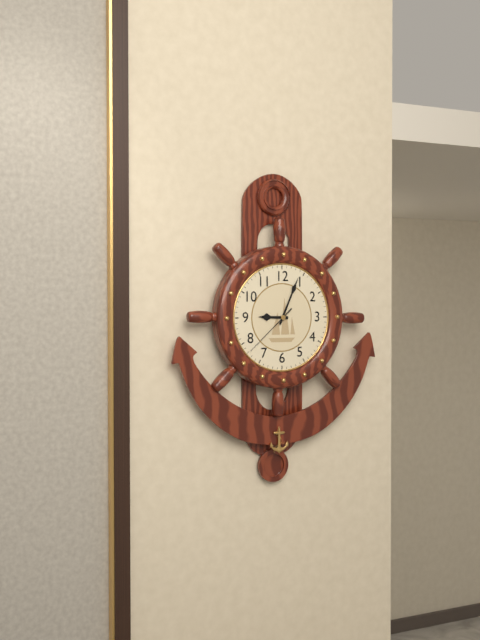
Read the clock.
9:04:38
